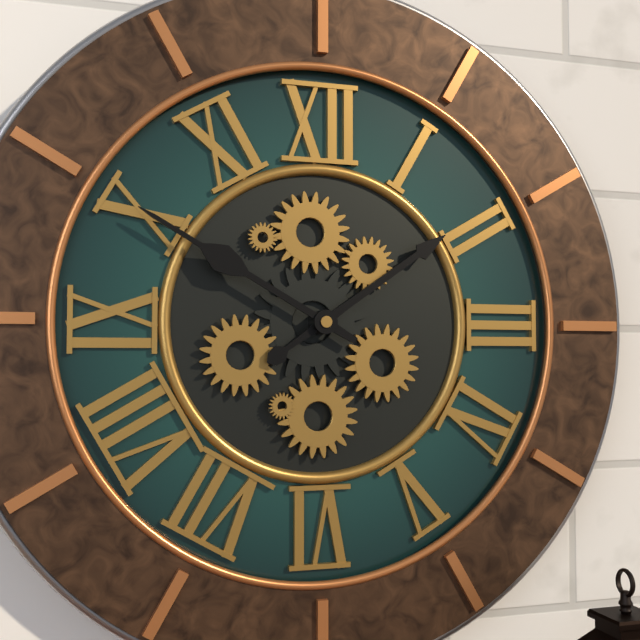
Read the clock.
1:50
